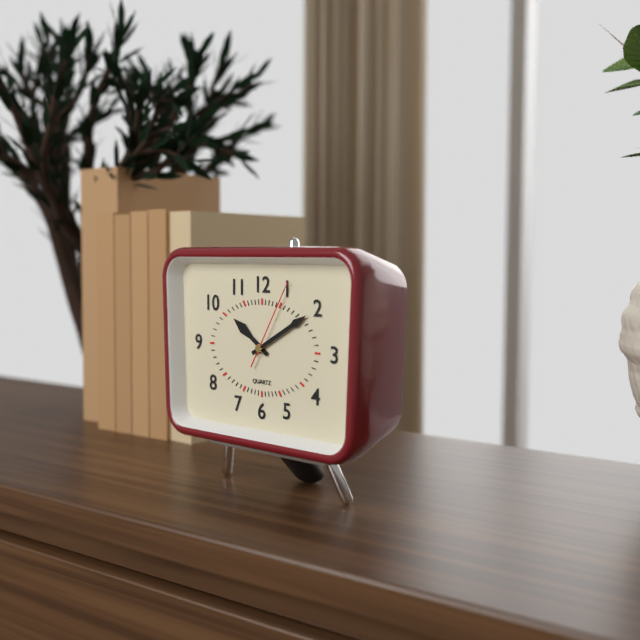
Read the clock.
10:10:05
